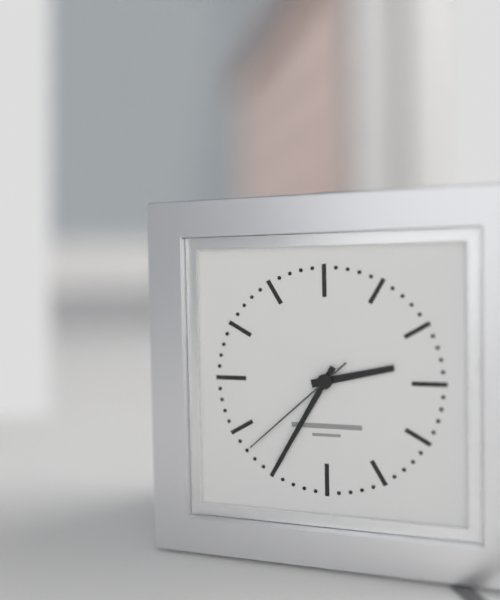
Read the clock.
2:35:38
